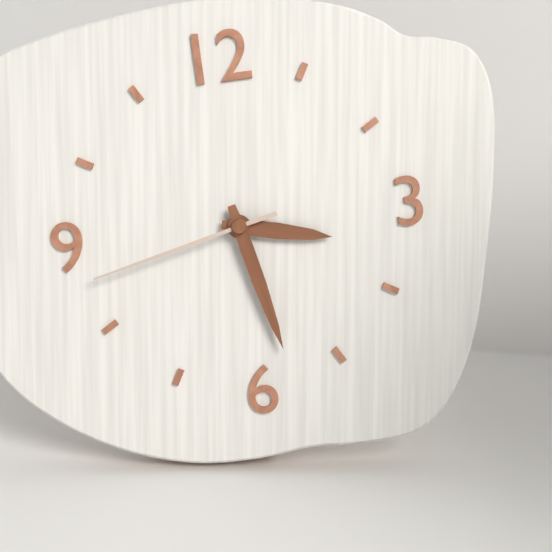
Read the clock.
3:28:43
